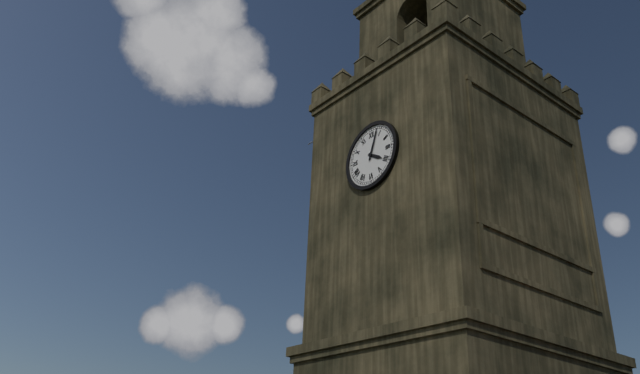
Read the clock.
4:03
